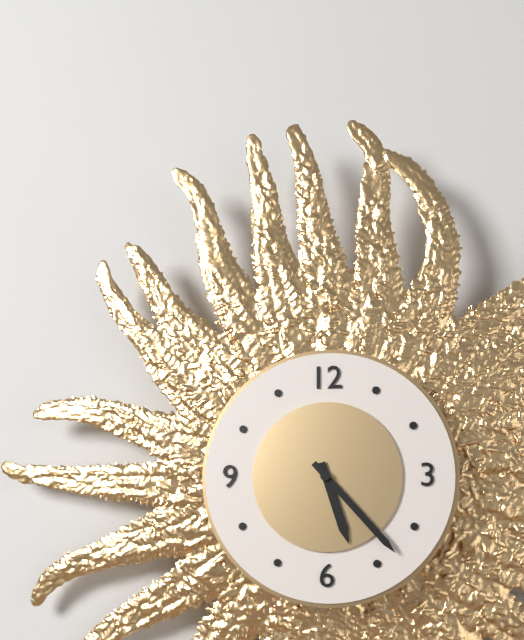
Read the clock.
5:23
